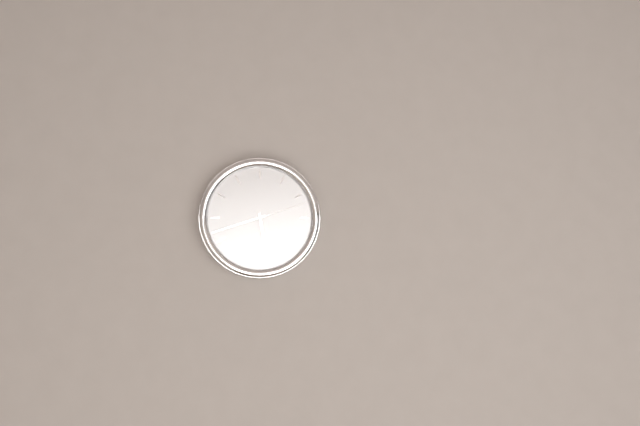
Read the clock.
5:42:12
